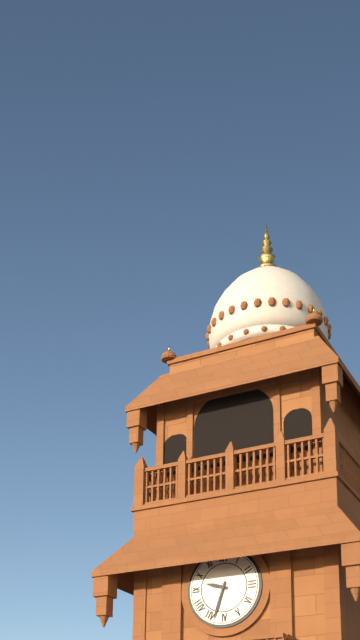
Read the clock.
9:33
